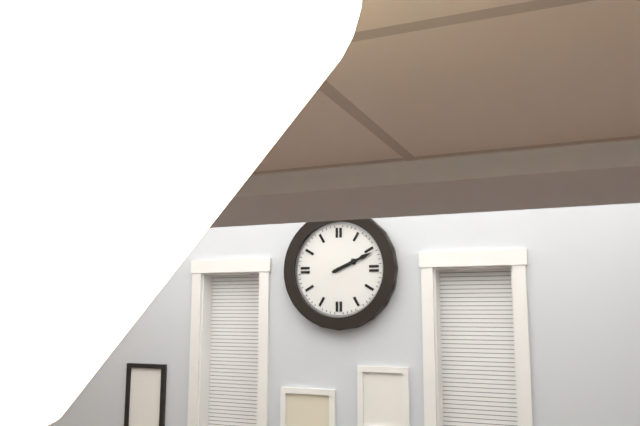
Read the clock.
2:11
